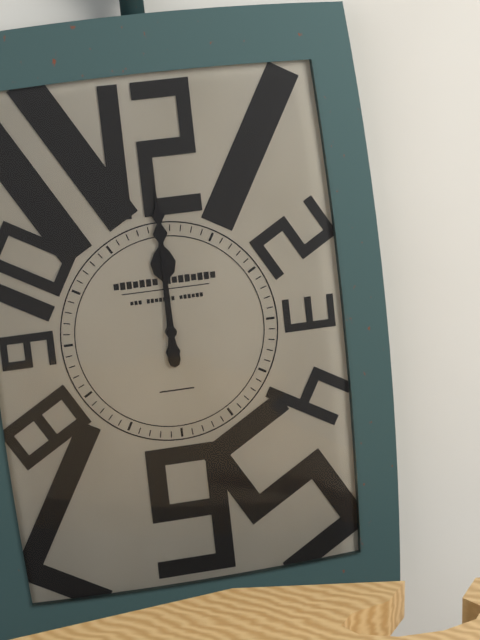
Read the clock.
12:00
